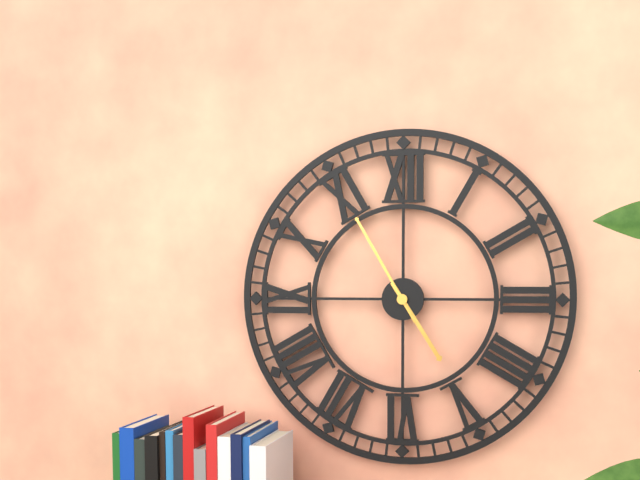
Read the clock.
4:55
